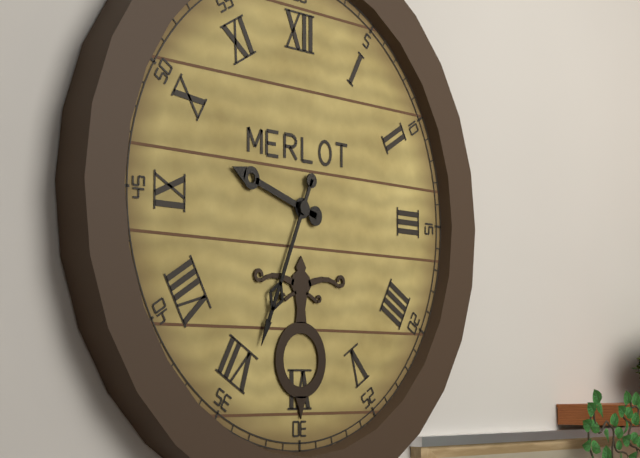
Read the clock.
9:34
